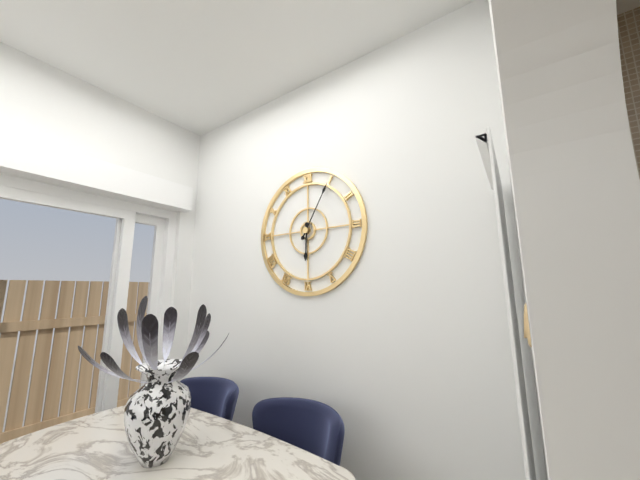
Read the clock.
6:05
